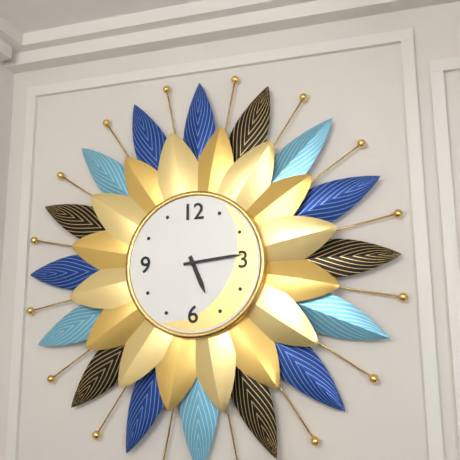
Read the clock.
5:14
